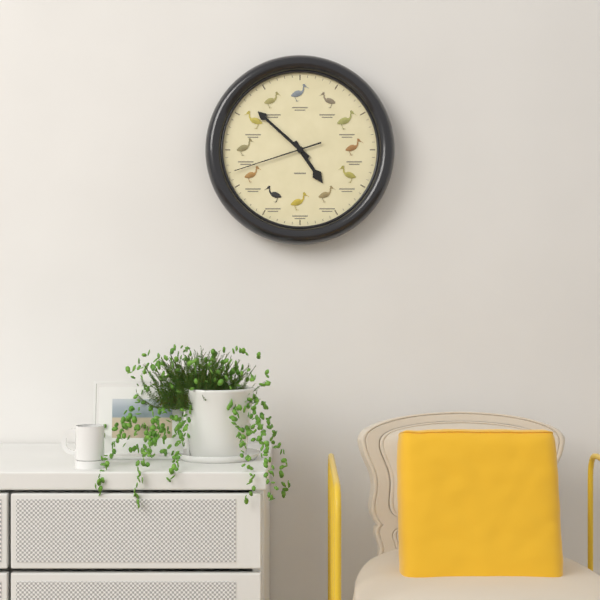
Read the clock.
4:52:42
